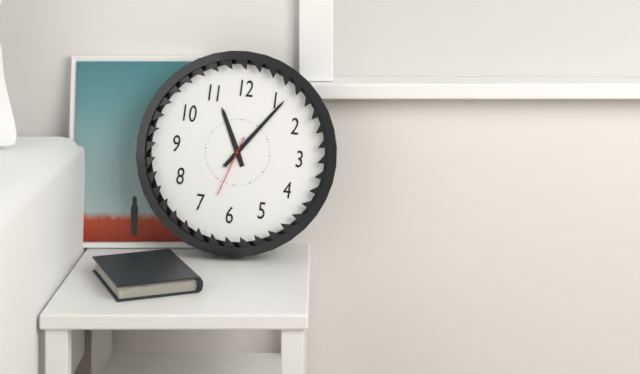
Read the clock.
11:06:33
